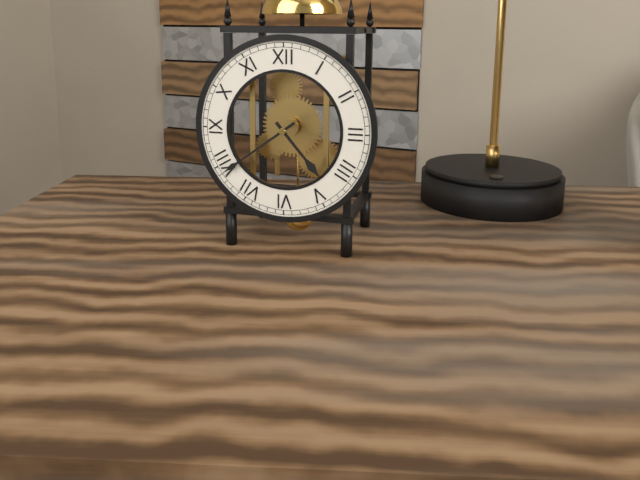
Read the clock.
4:39
